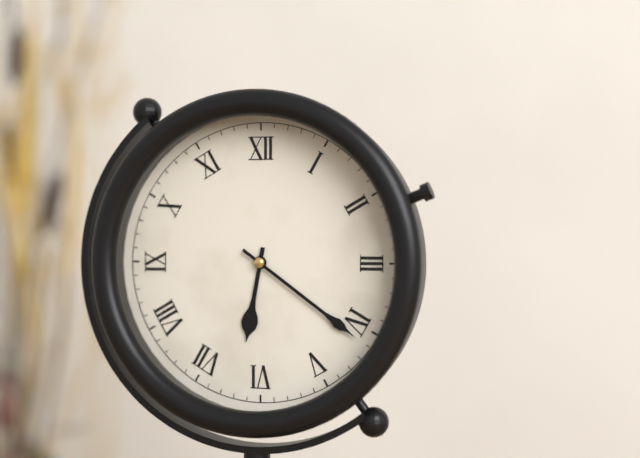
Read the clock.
6:21
